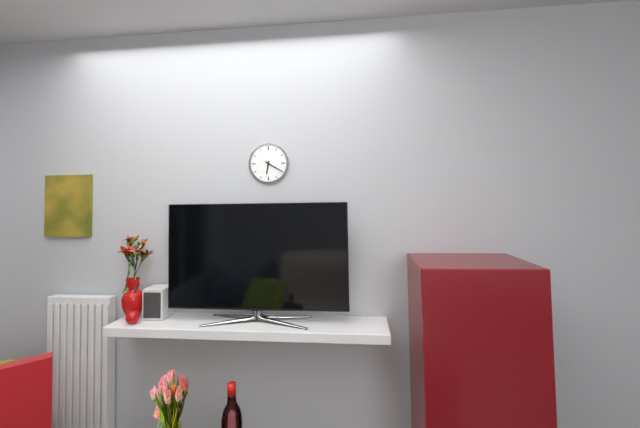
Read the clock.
6:20
